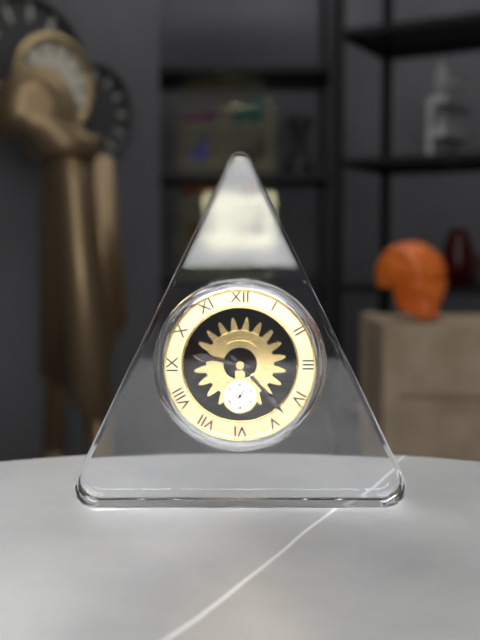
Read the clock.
9:23
